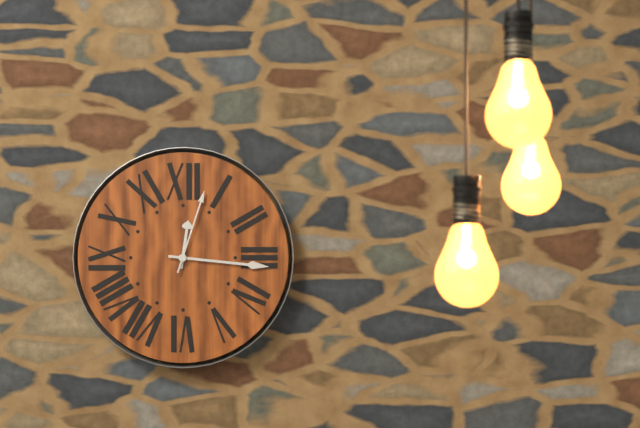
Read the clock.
12:16:03
